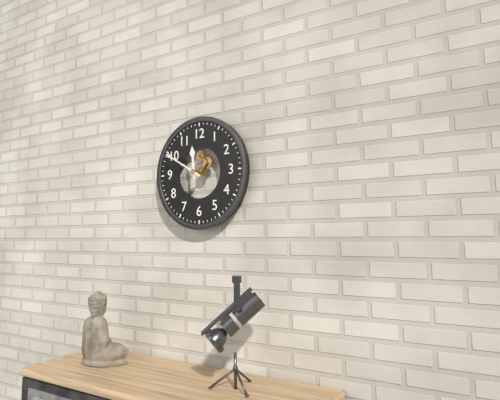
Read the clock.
11:50
